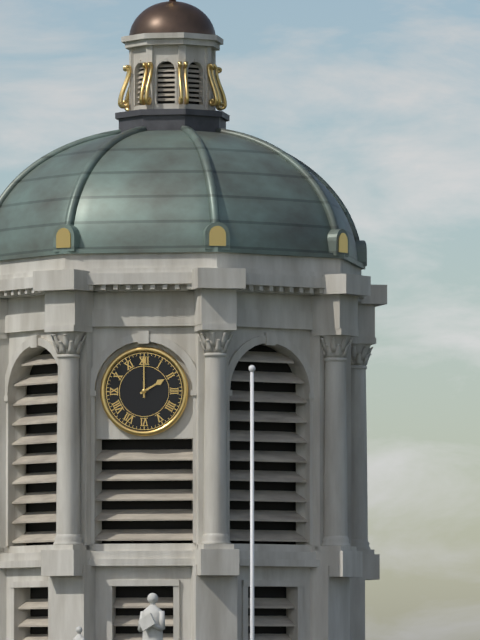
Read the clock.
2:00
